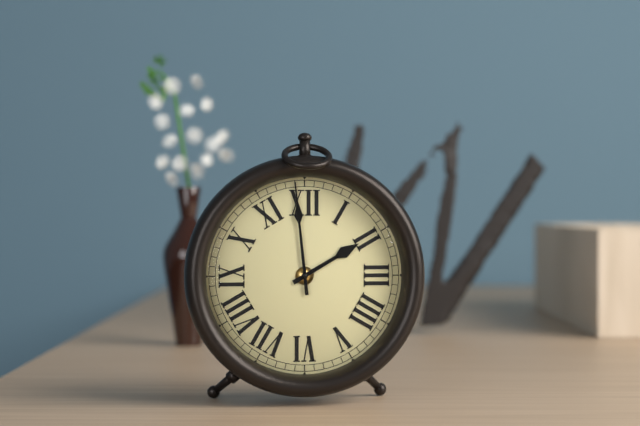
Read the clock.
1:59
